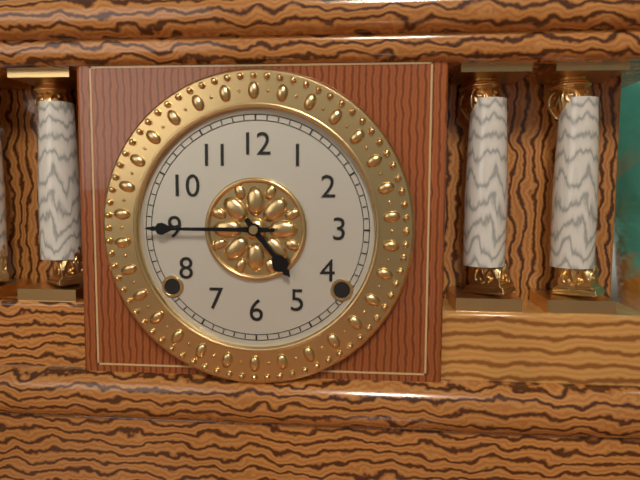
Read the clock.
4:45
